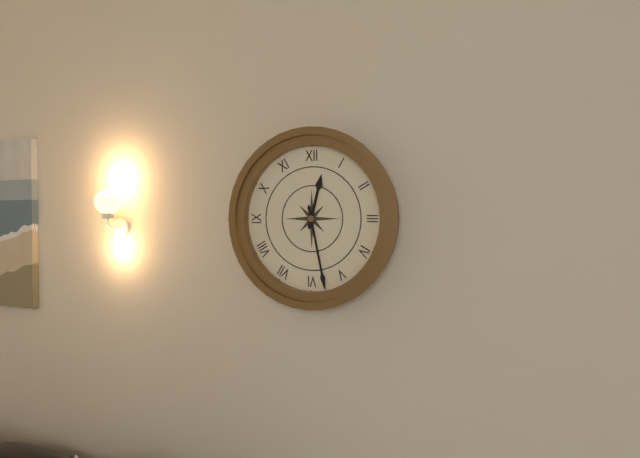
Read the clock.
12:28
